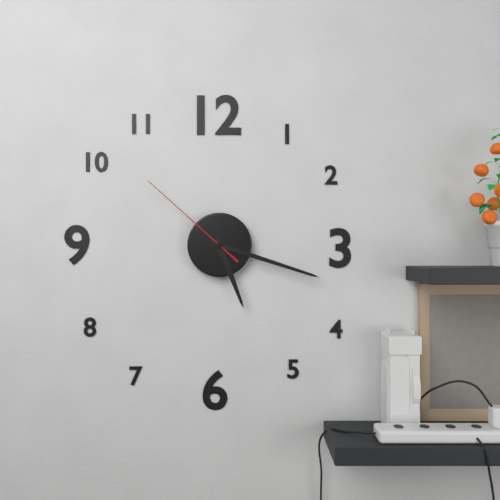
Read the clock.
5:18:52
